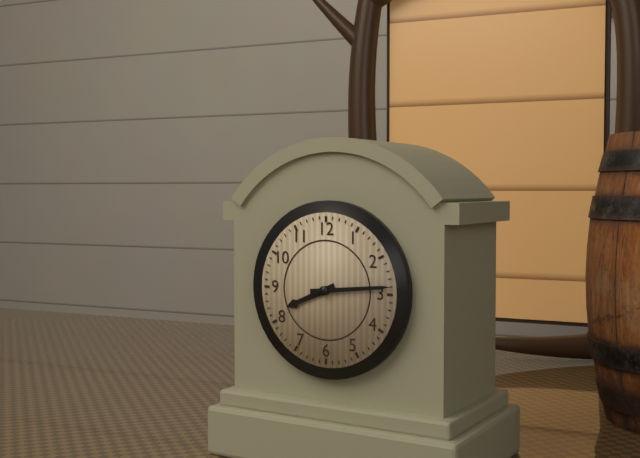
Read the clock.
8:14
